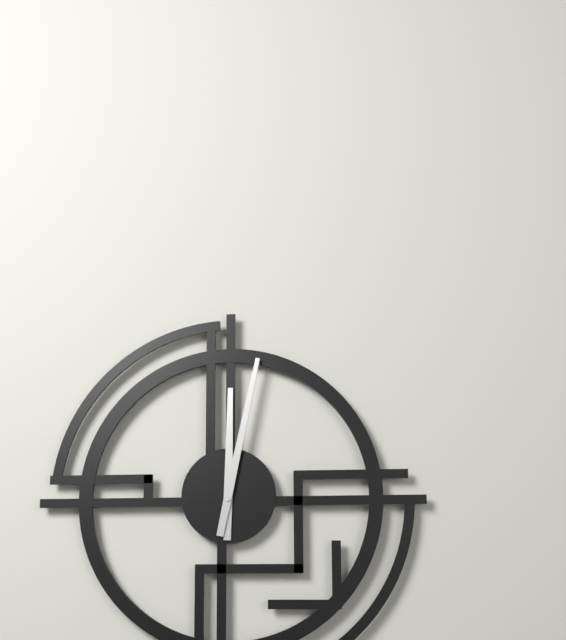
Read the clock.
12:02
